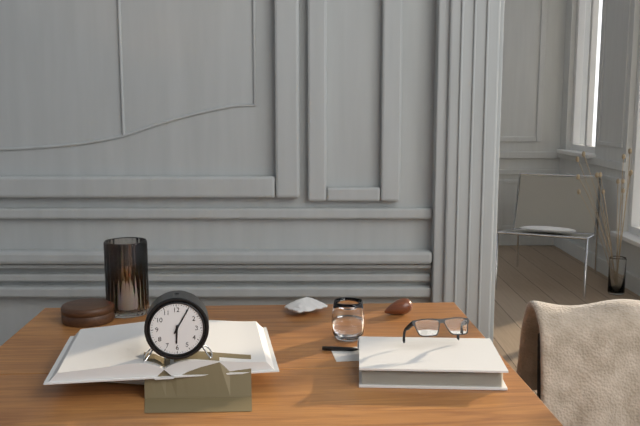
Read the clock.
6:05
